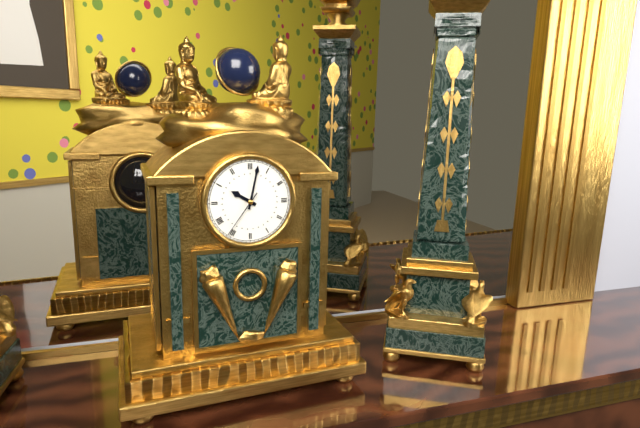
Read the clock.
10:02
